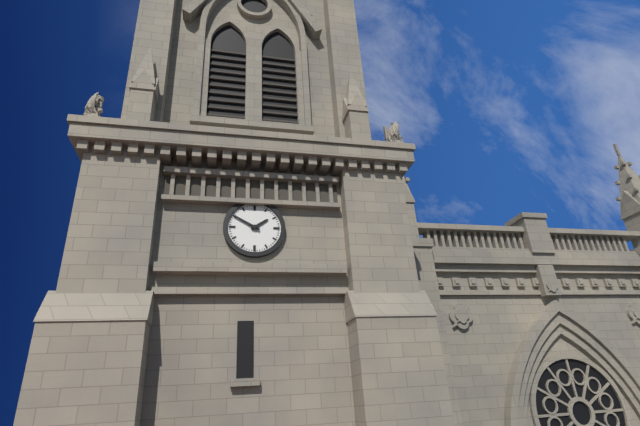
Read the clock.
1:50
